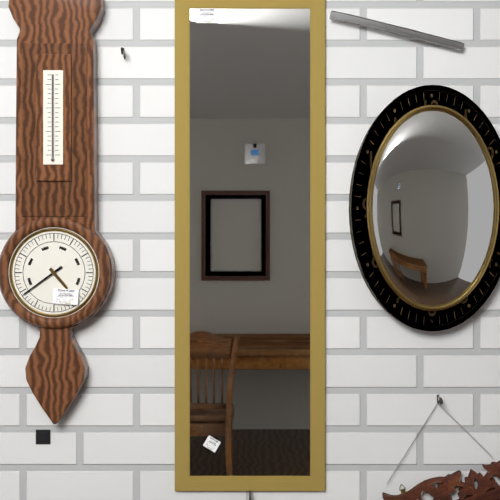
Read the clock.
4:39
